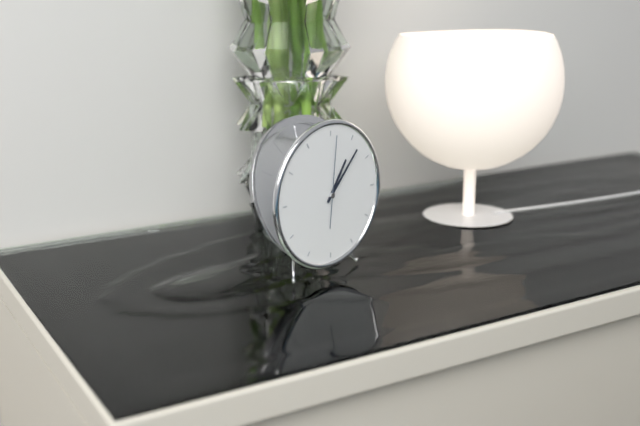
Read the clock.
1:07:01
